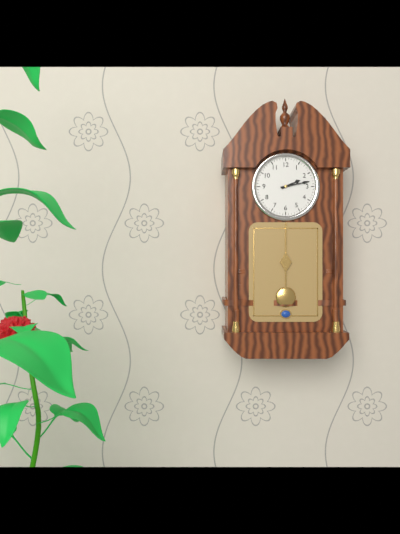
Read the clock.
2:13
